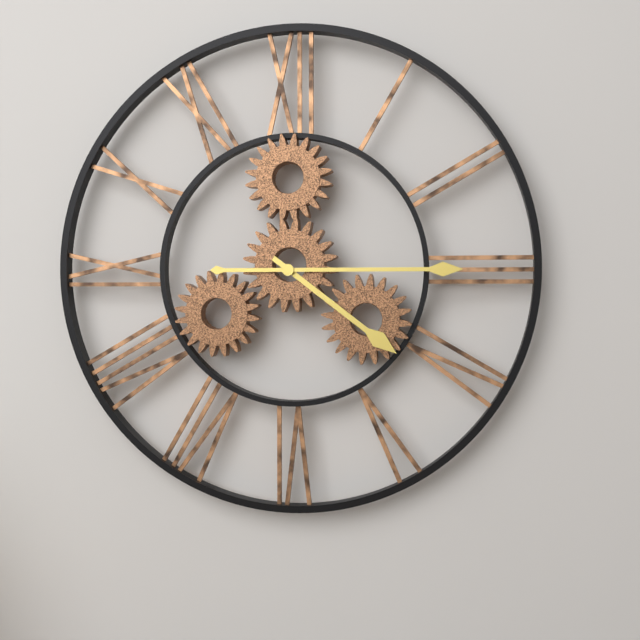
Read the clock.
4:15
